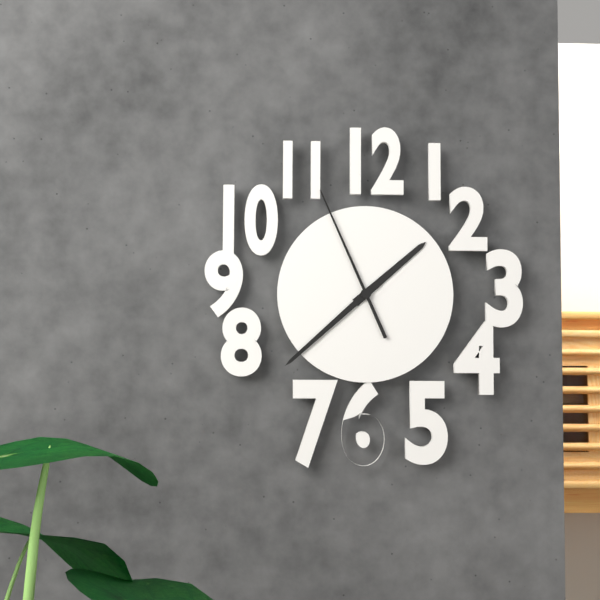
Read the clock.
1:38:56
